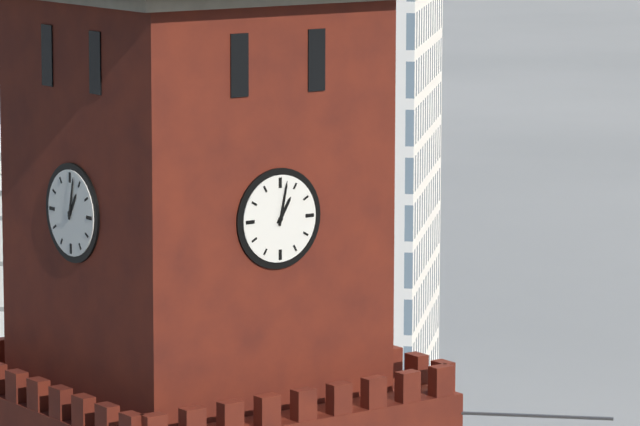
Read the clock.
1:02
